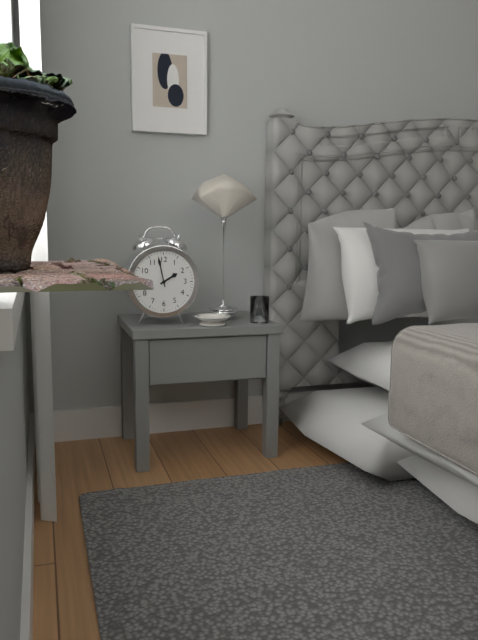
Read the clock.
1:58
